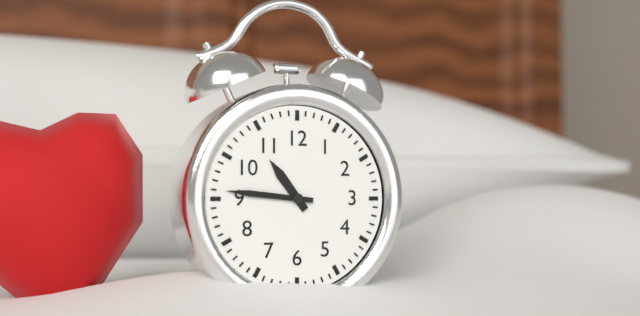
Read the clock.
10:46
